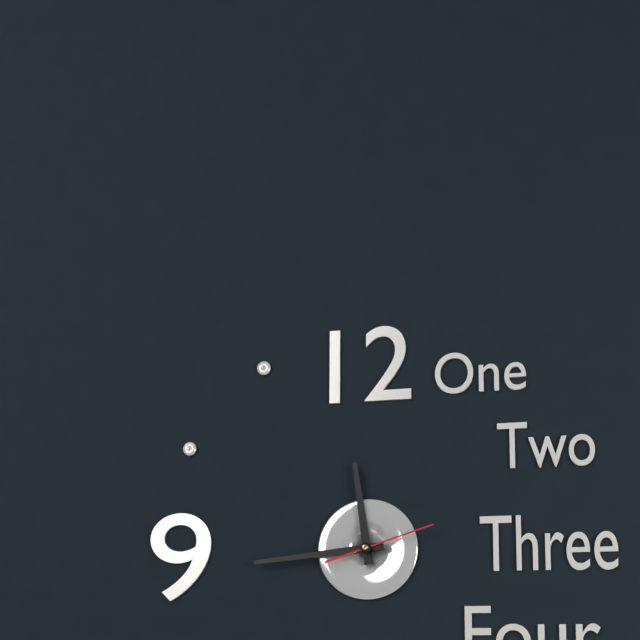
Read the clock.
11:44:12
